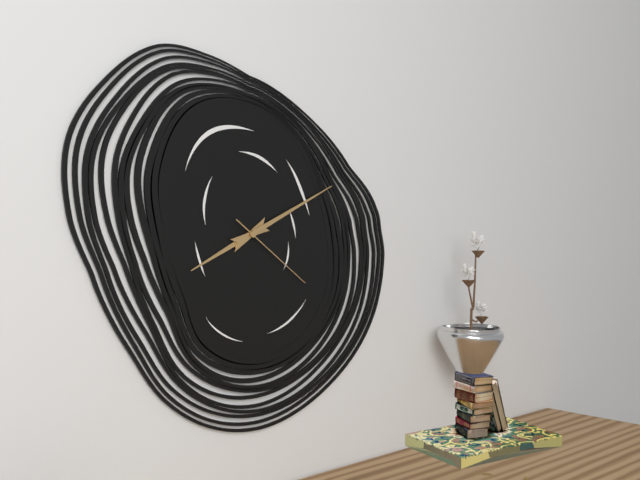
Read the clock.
8:11:21
